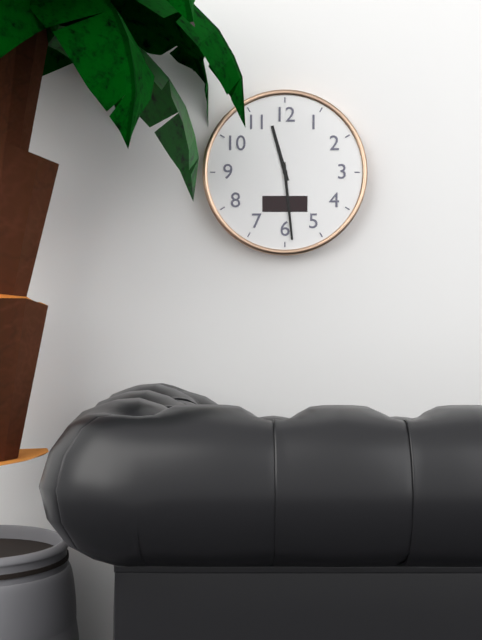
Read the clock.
11:29
